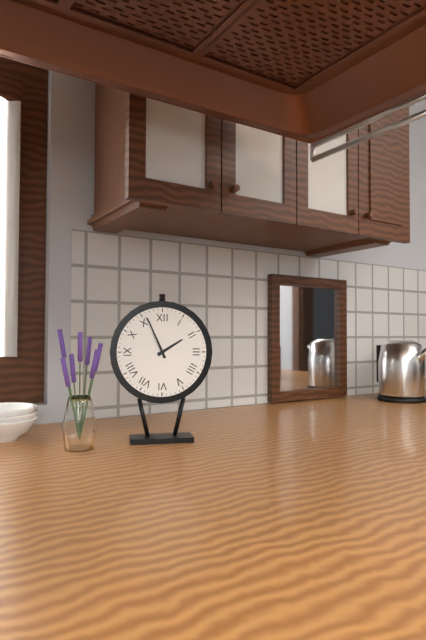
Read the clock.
1:56
